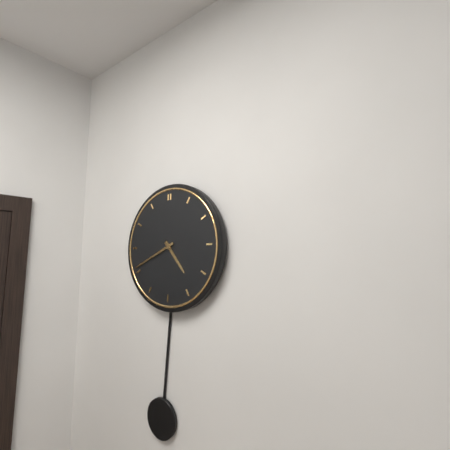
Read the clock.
4:41
